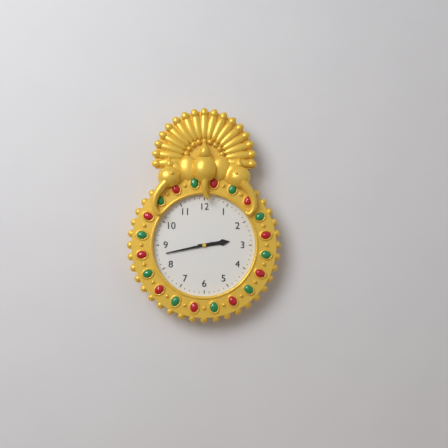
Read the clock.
2:43
